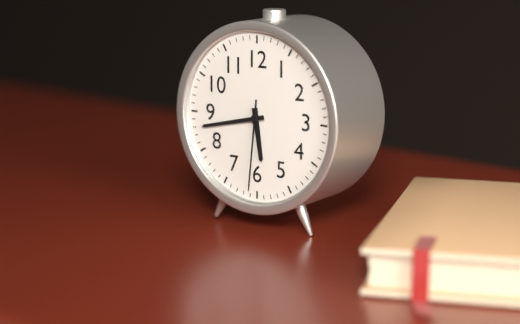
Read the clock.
5:43:31
